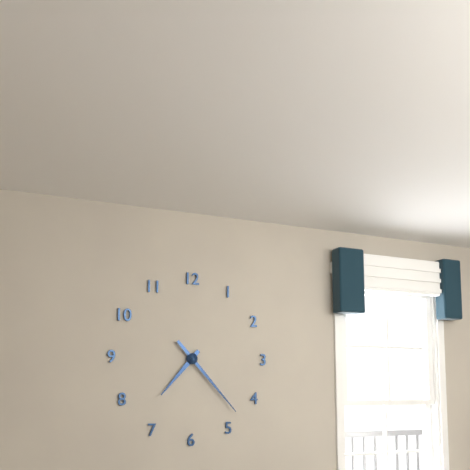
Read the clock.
7:23
